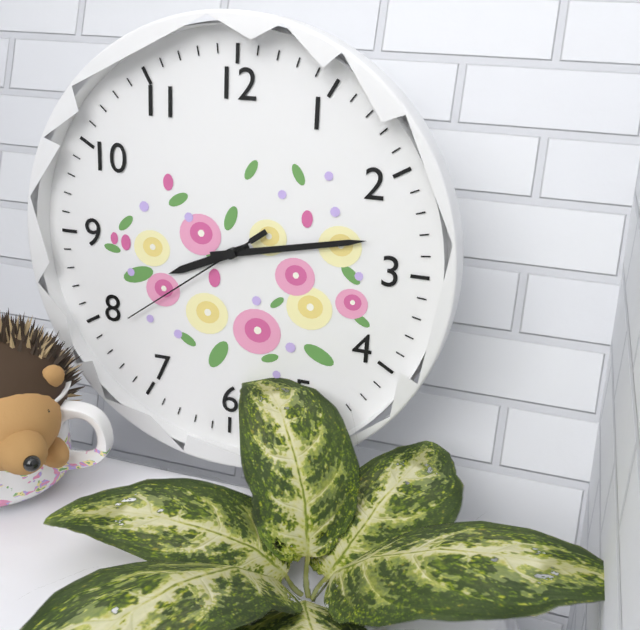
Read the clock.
8:13:39
